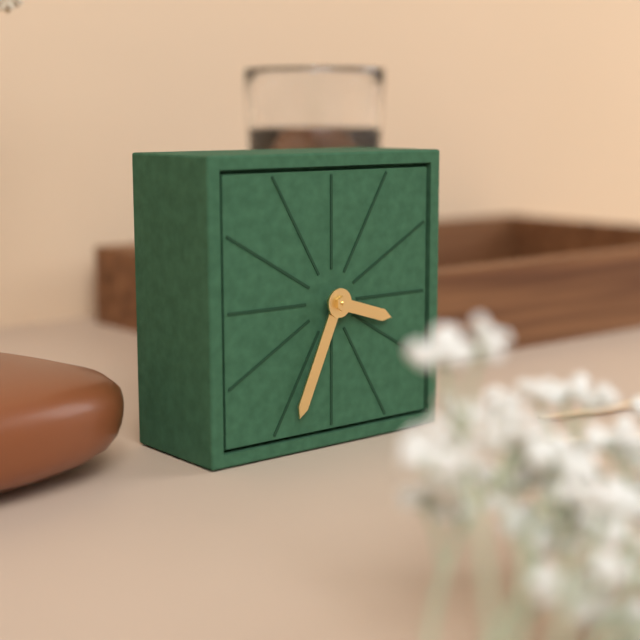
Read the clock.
3:34
